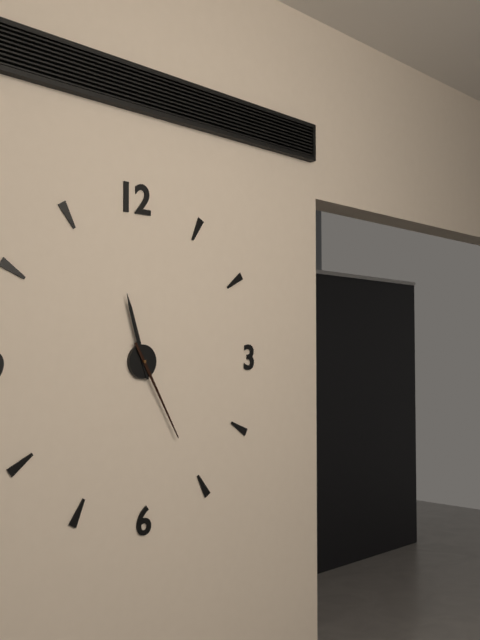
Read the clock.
11:25
